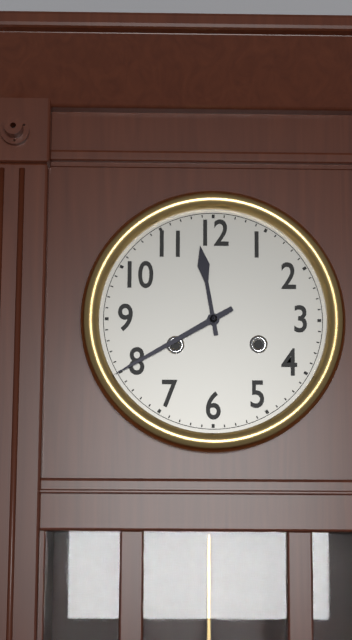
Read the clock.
11:40
